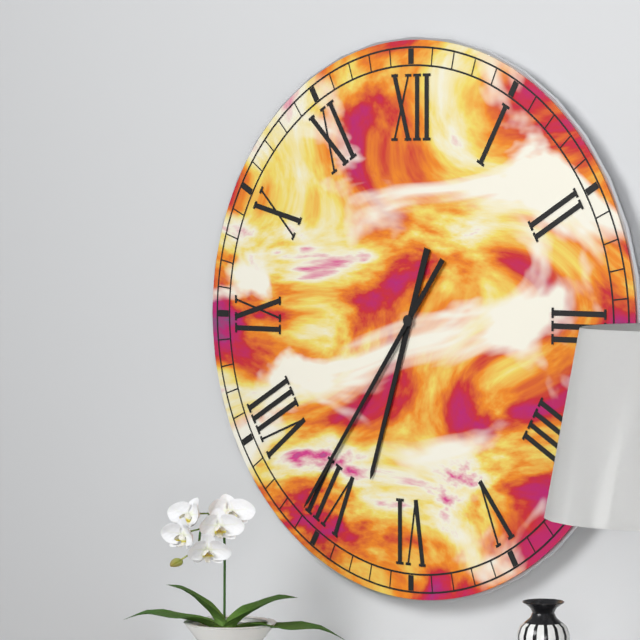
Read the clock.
6:36
